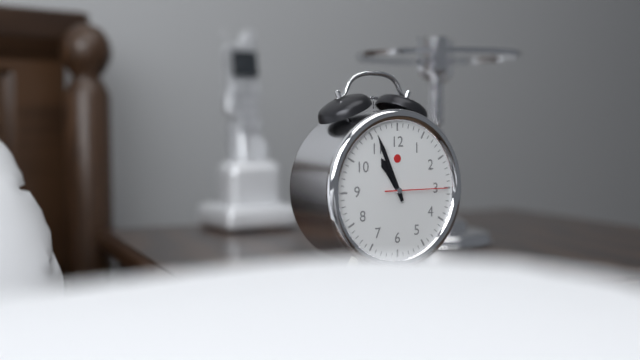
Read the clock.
10:56:15
